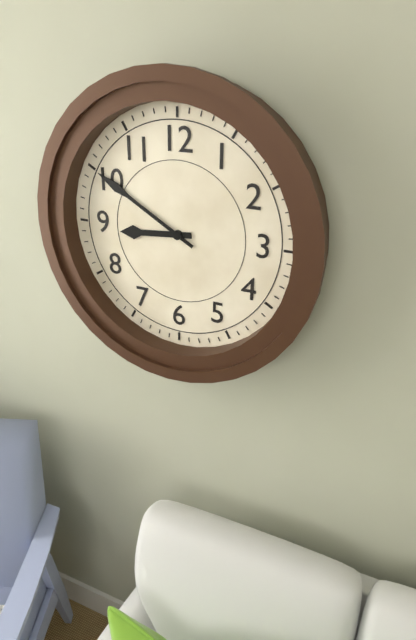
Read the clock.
8:50
